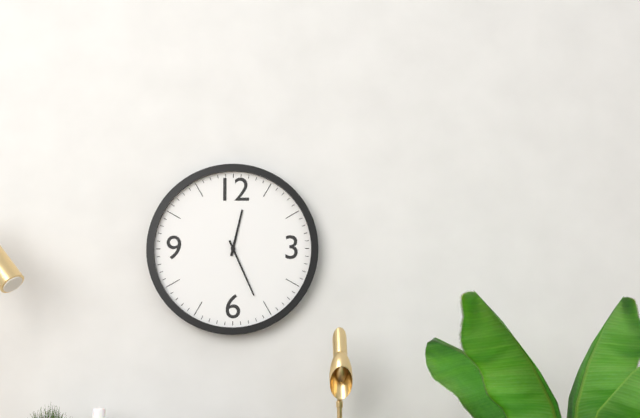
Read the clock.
12:26
